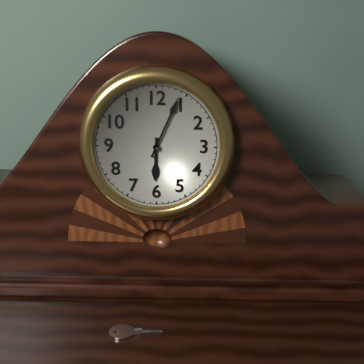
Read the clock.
6:04
